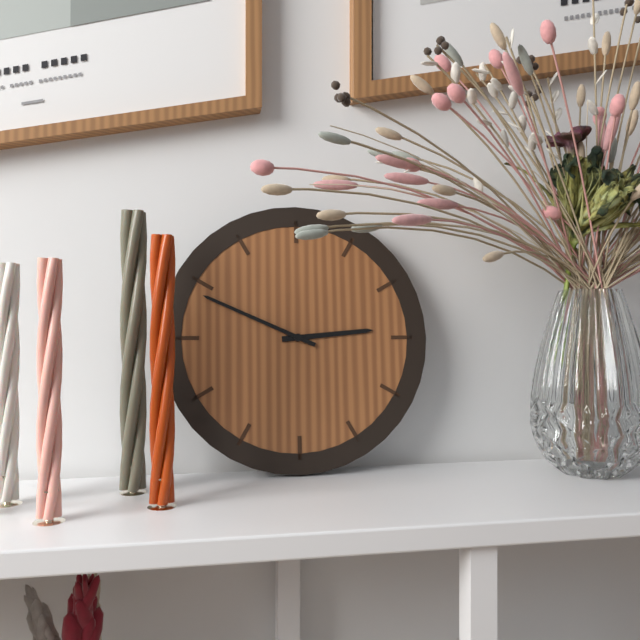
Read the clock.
2:49
